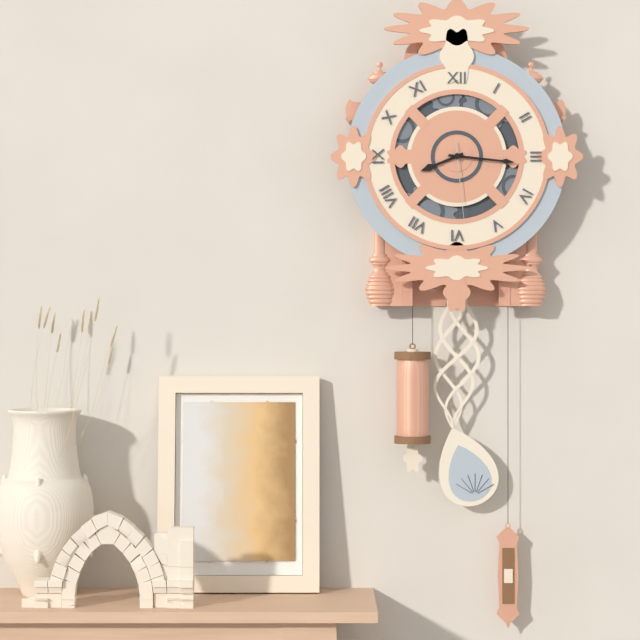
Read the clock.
8:16:29
